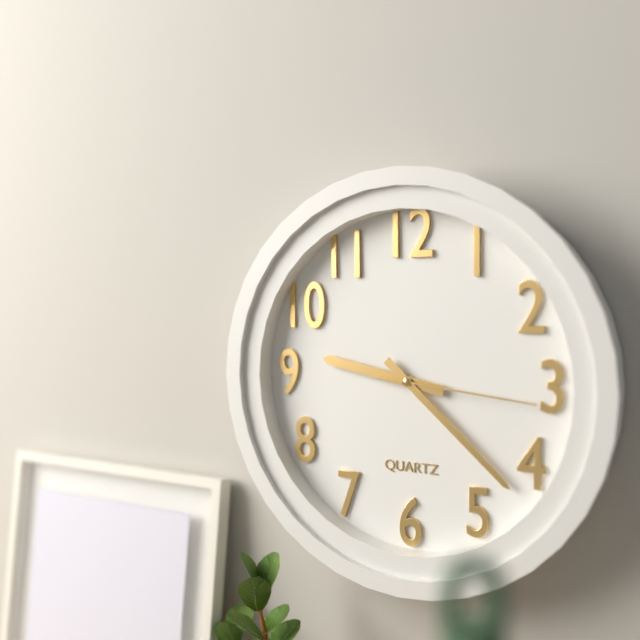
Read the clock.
9:22:16
